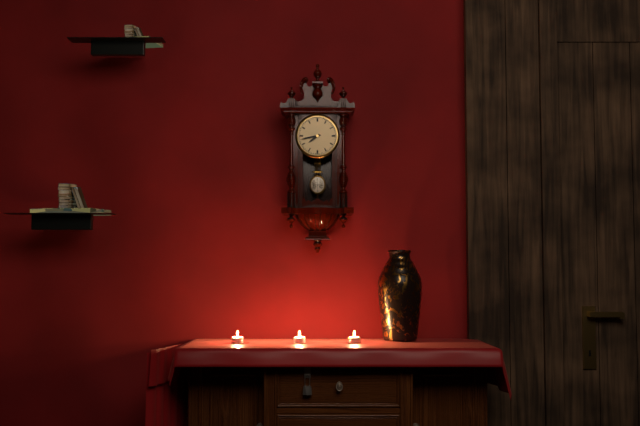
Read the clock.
7:43
